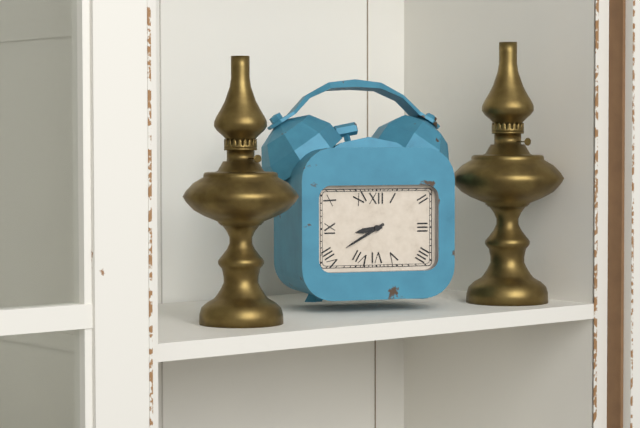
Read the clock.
8:40
